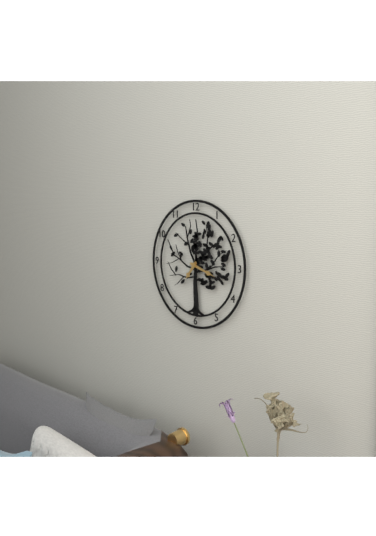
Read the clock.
7:18
